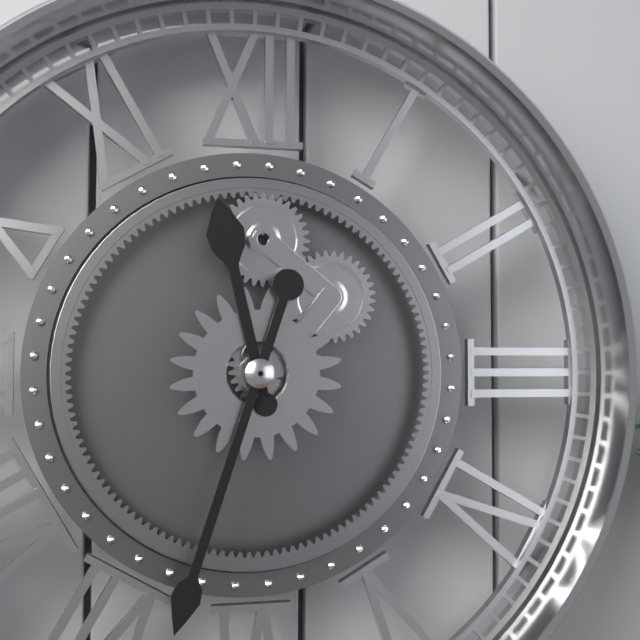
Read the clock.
11:33
